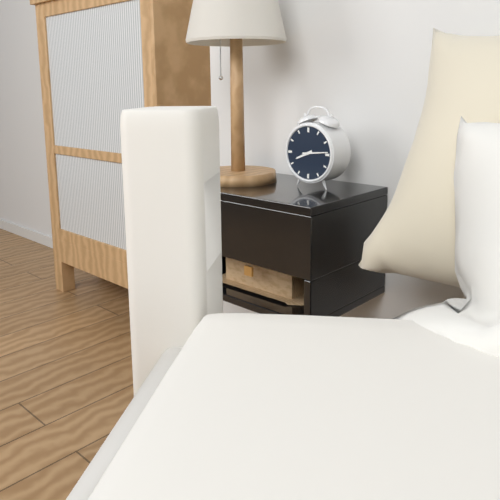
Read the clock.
8:14
